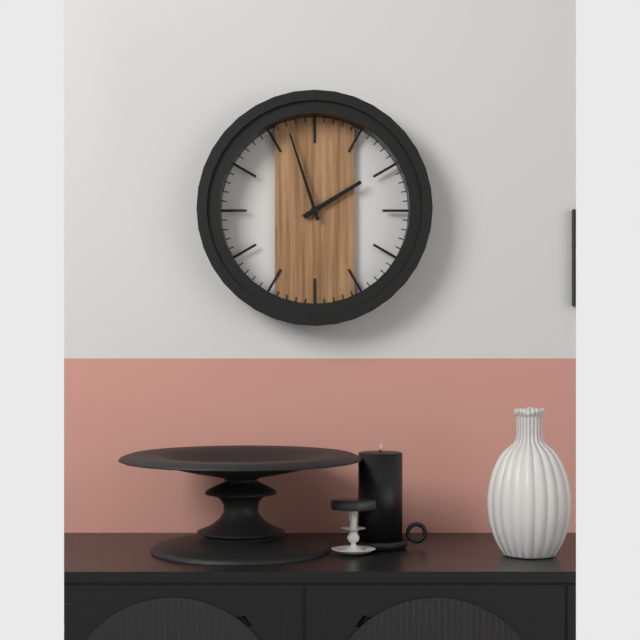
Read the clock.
1:57
